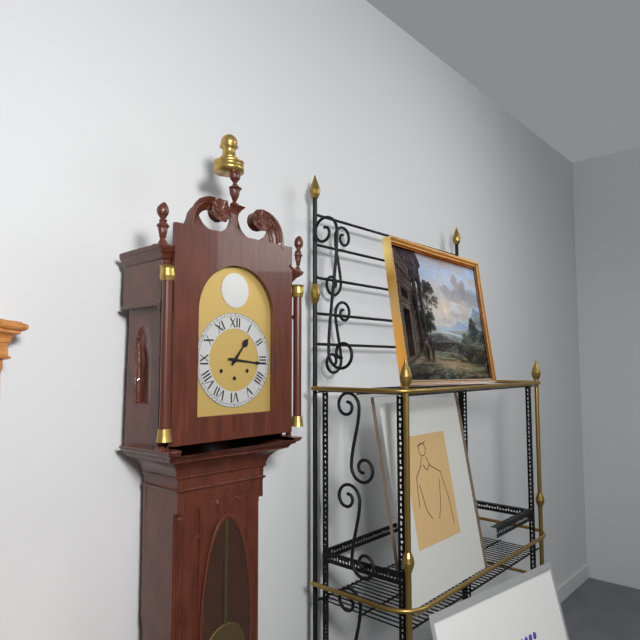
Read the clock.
1:16
